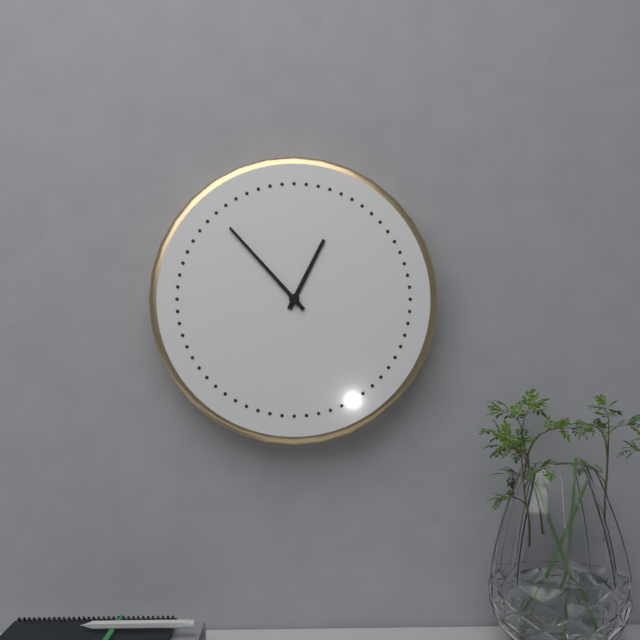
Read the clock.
12:53
